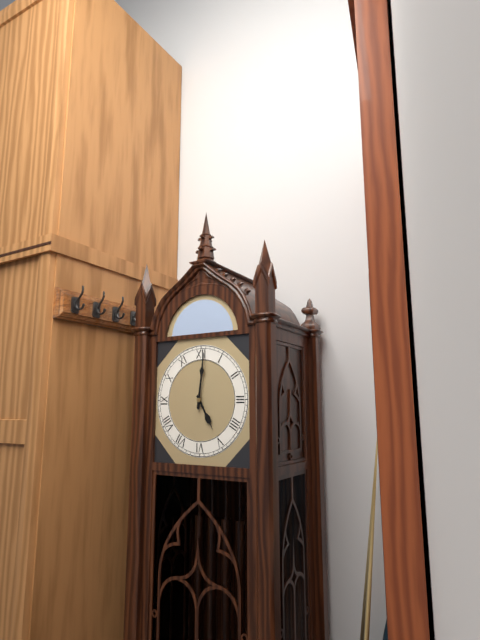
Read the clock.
5:01
